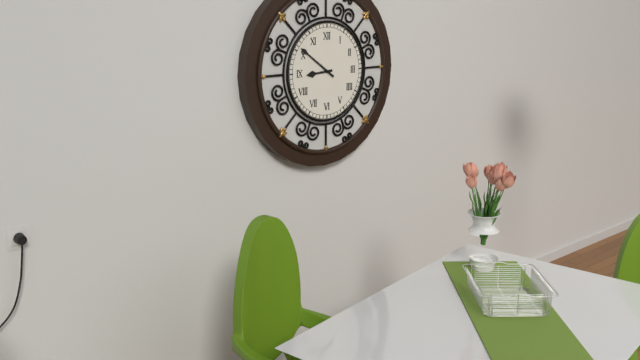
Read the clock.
8:51
